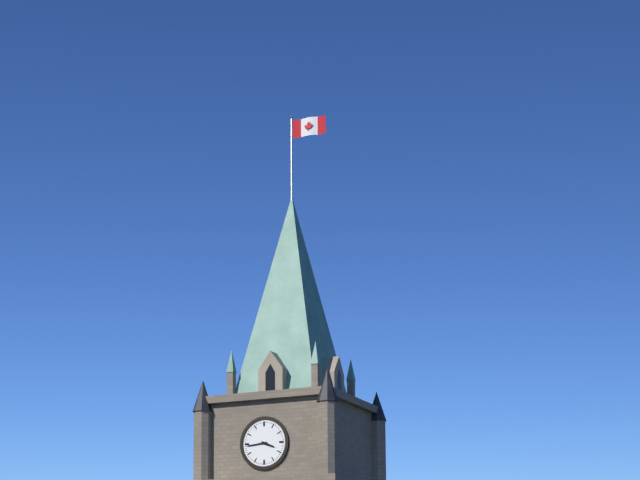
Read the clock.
3:44
